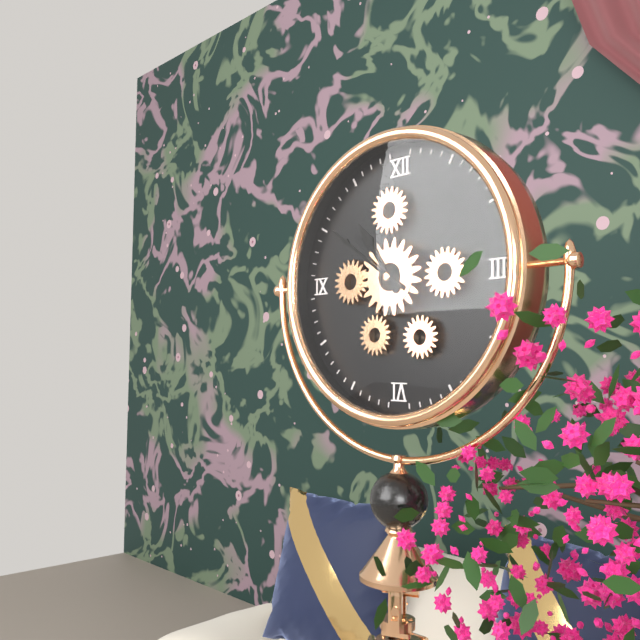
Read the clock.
10:51
